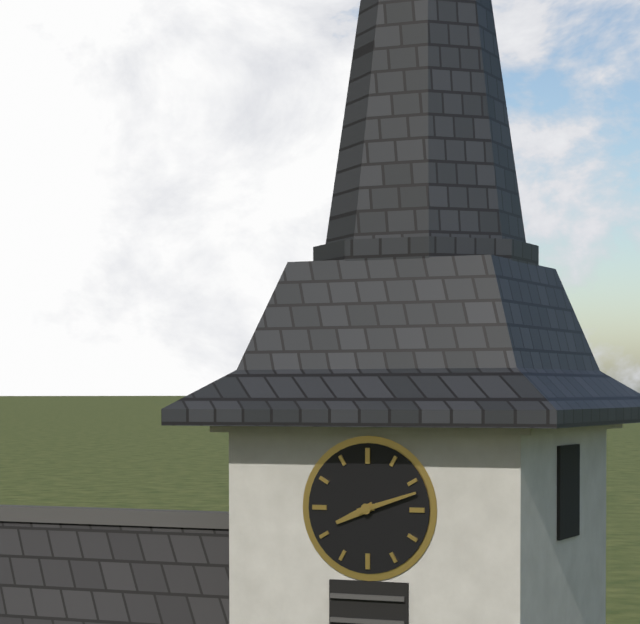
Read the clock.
8:12
